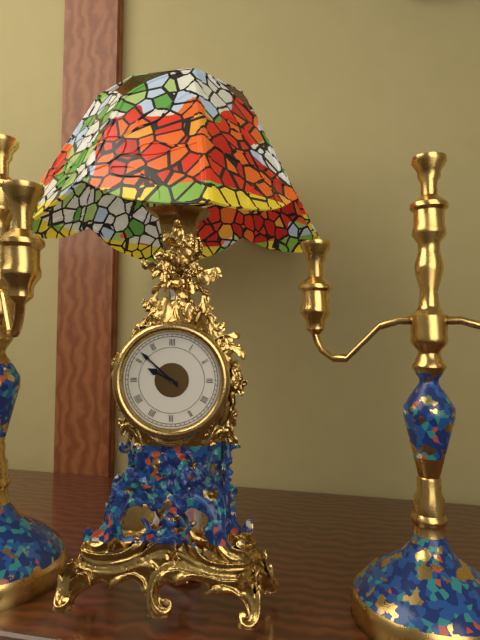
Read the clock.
9:52
